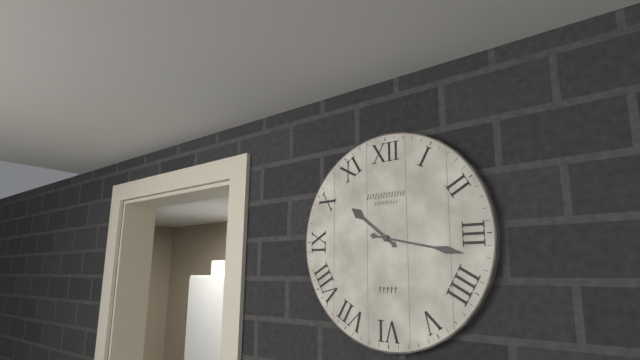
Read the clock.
10:17
